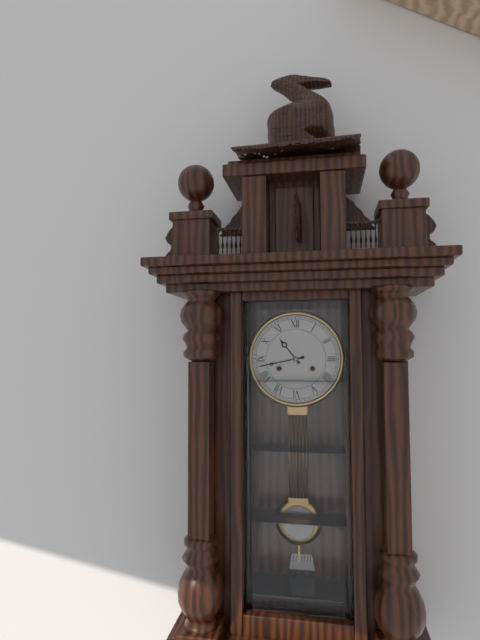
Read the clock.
10:43
